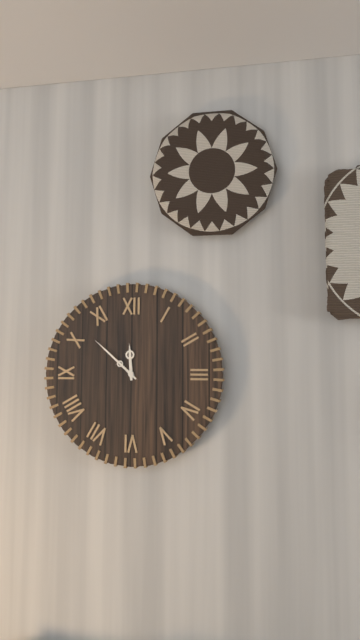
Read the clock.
11:52
